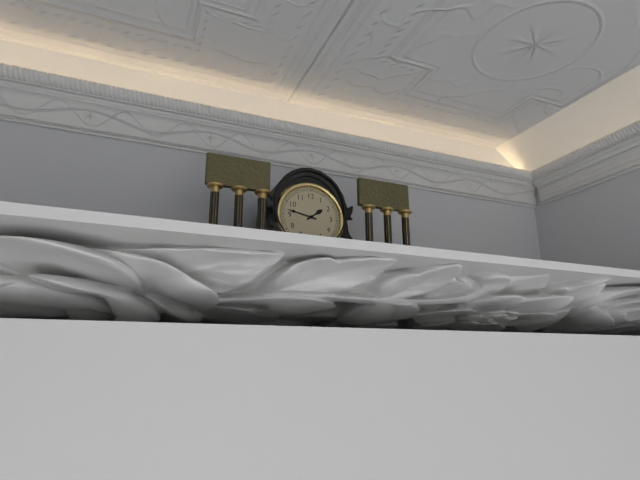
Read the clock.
1:47
